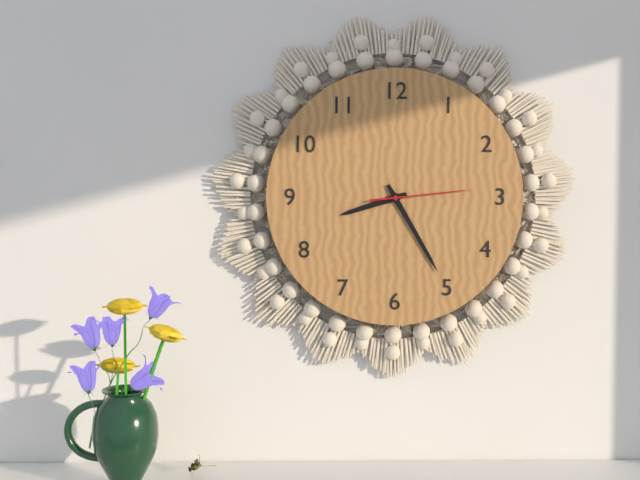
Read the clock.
8:25:14
